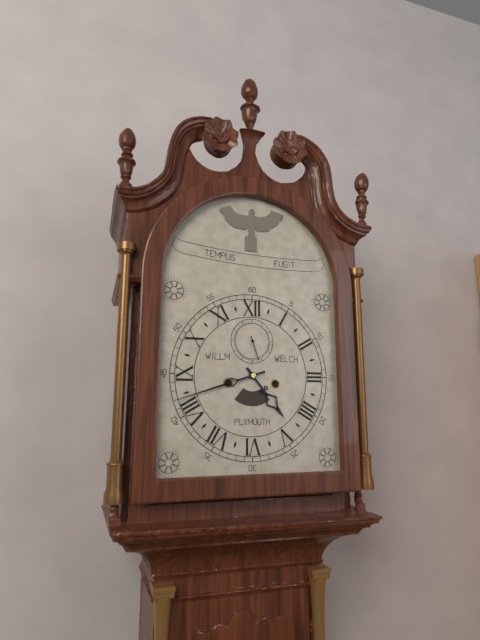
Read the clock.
4:42
